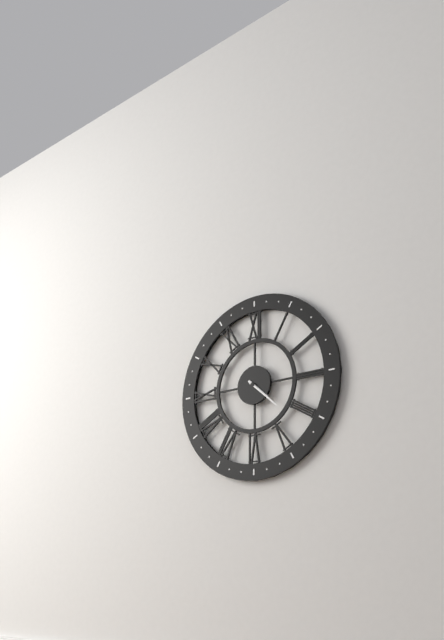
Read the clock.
4:22
